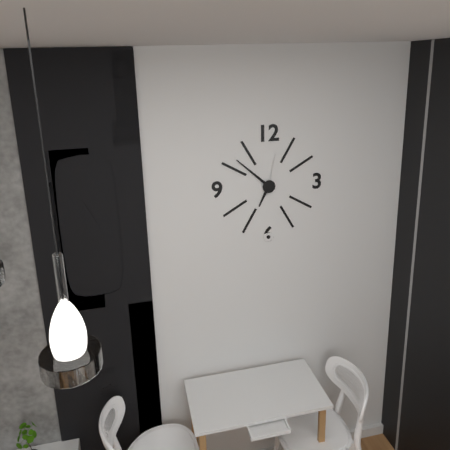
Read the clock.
6:52
